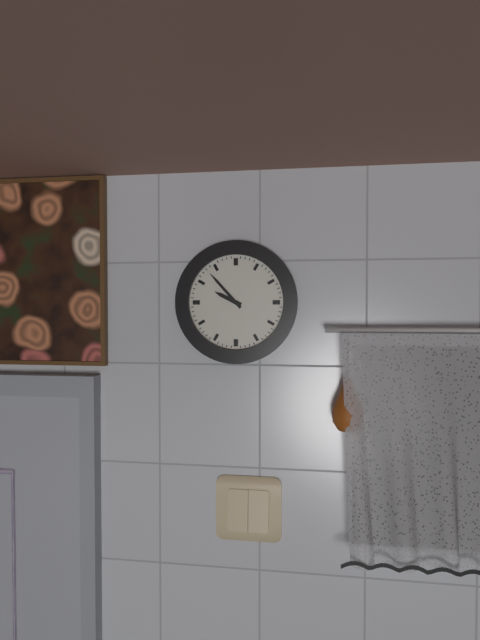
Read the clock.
9:53
